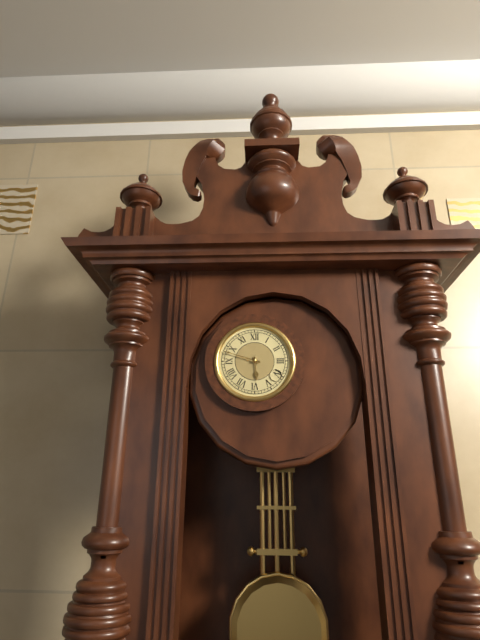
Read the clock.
5:48
